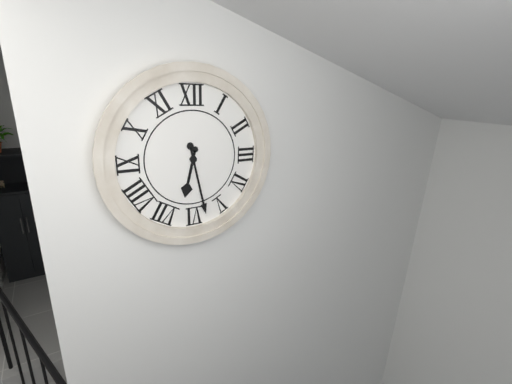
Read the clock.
6:28
